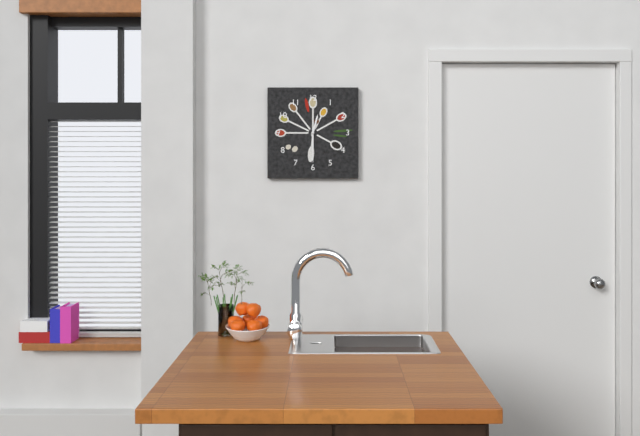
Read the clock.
12:30
